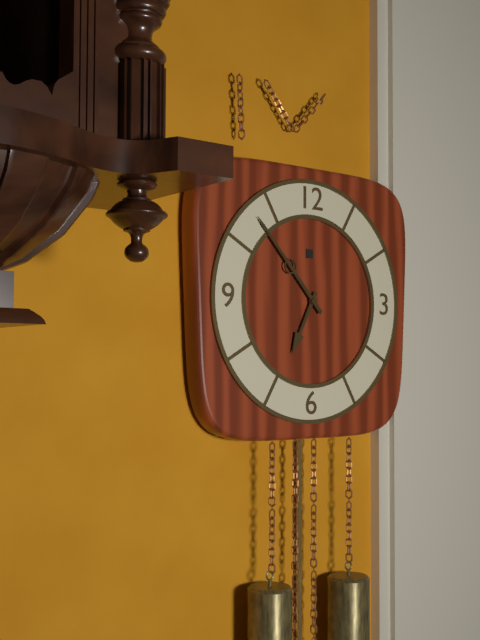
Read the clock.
6:53
